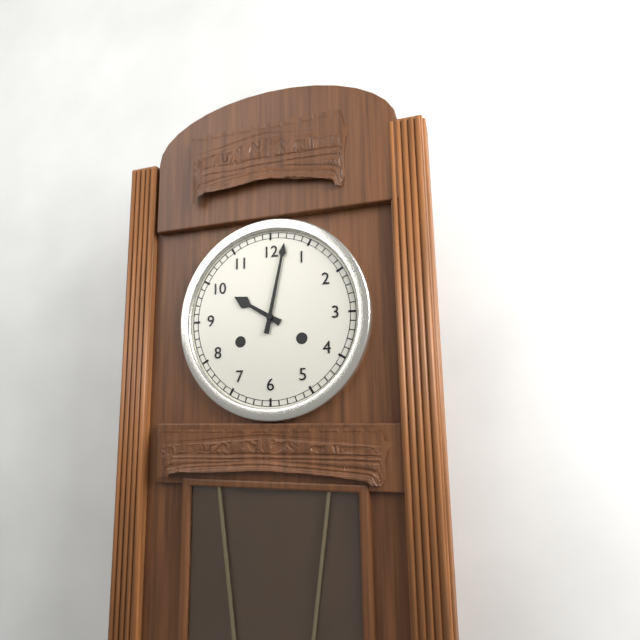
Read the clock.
10:02
